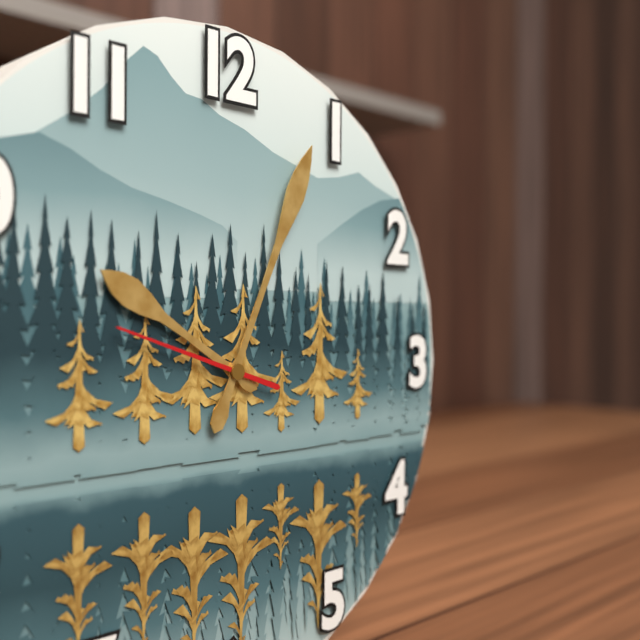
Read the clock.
10:04:48
